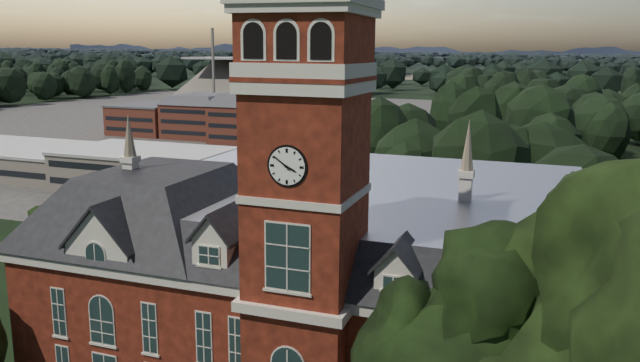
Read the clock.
3:51
